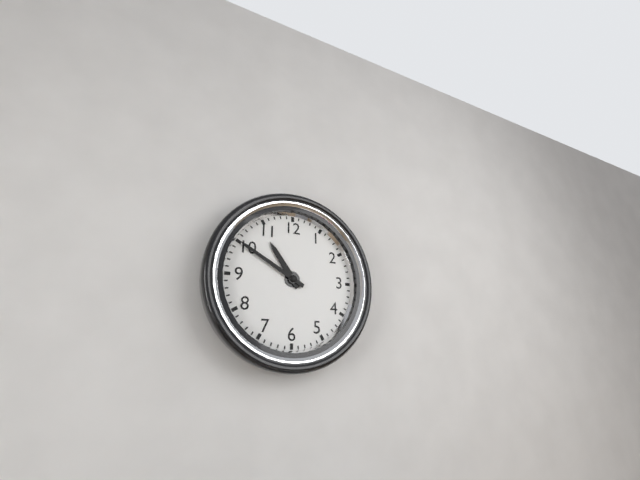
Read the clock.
10:50
